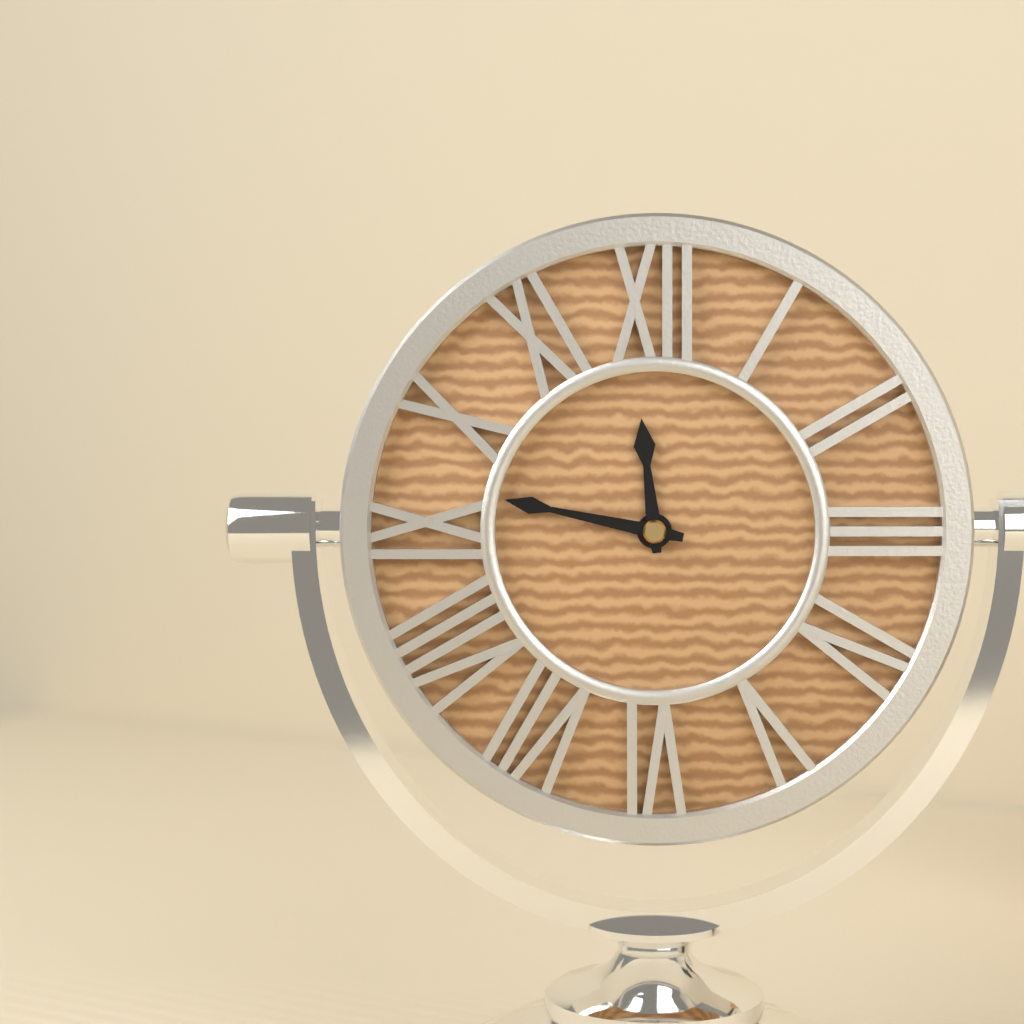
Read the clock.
11:47
